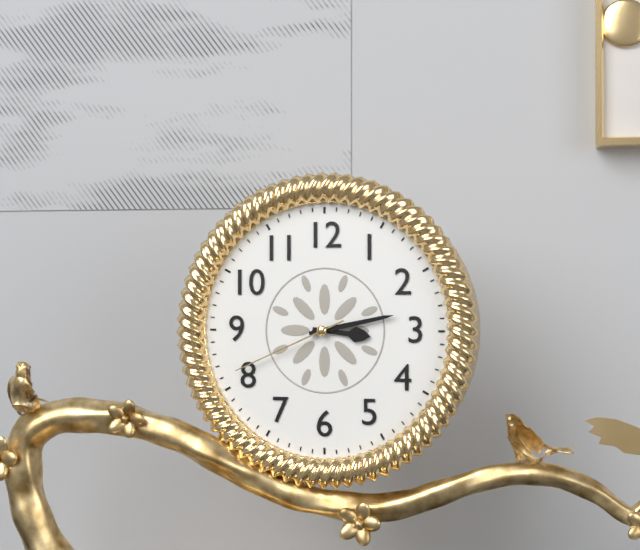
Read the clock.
3:13:41
